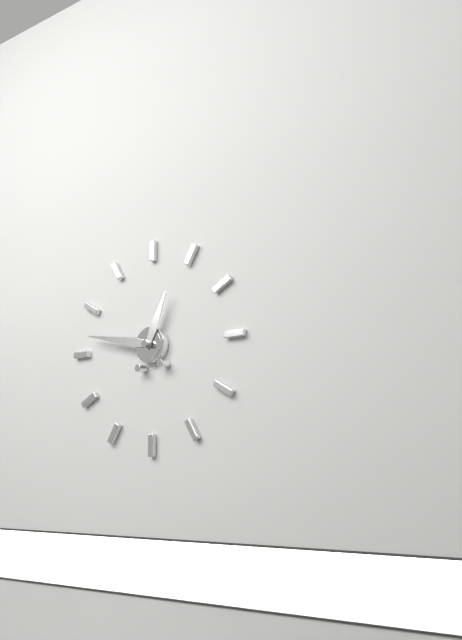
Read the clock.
12:47
